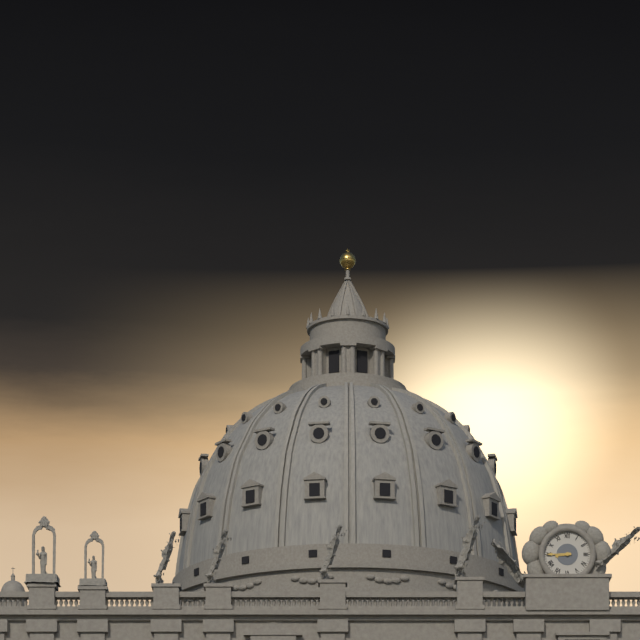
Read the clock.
8:45
